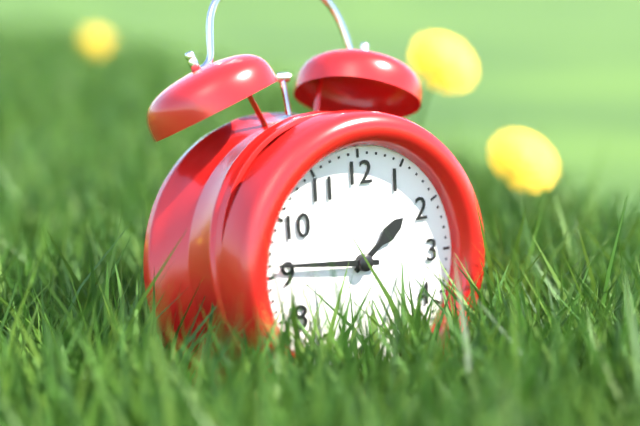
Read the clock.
1:46
